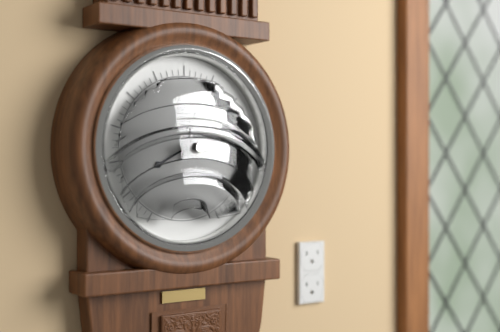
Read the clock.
8:03
